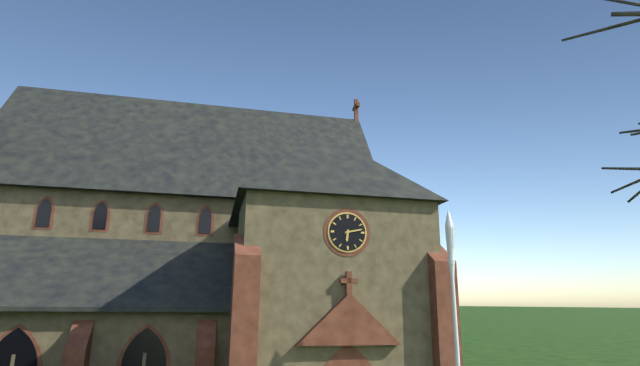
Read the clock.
6:13
